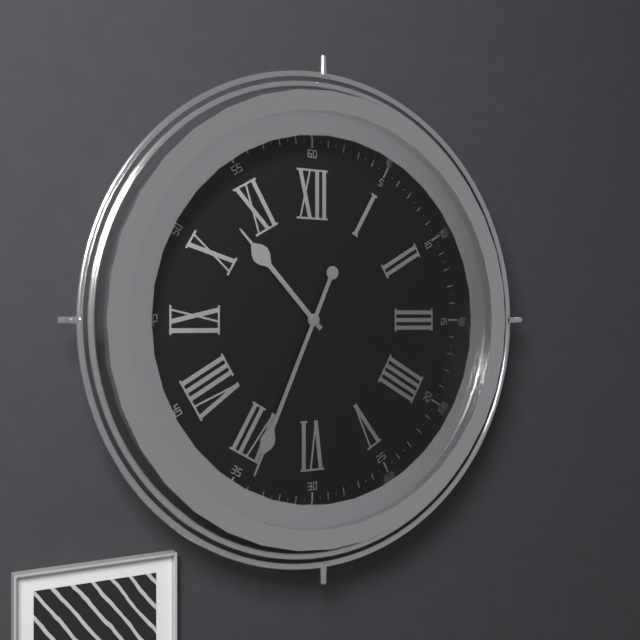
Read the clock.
10:34
